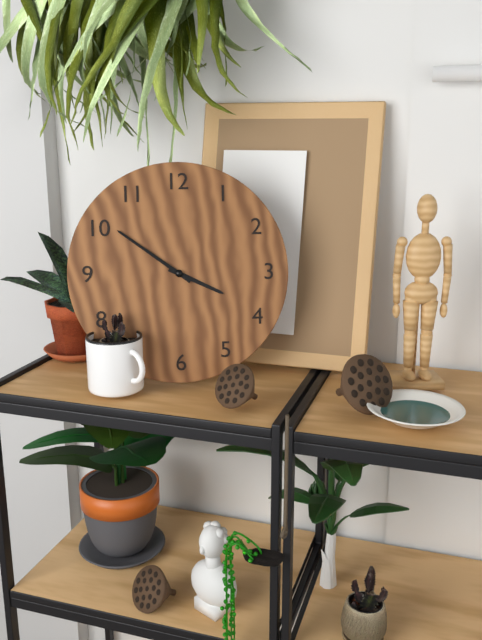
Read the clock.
3:51
